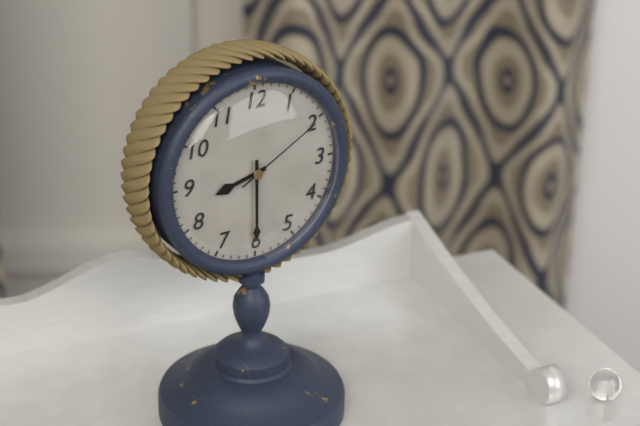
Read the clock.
8:30:10
